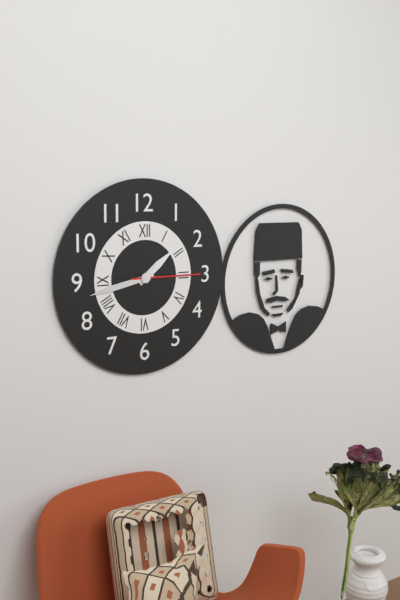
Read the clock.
1:43:15
